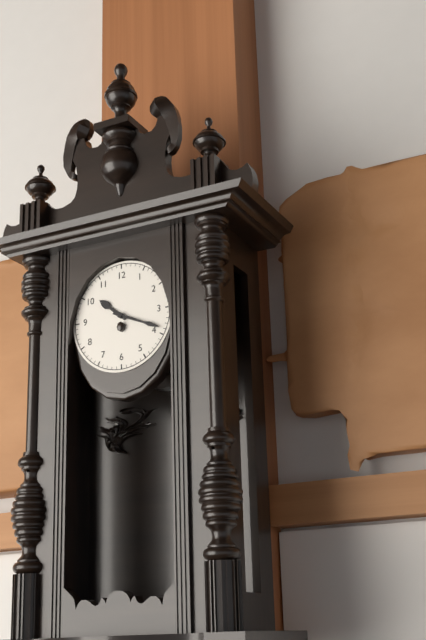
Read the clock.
10:19
